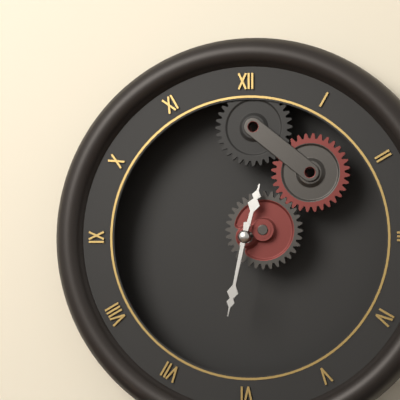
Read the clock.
12:32
